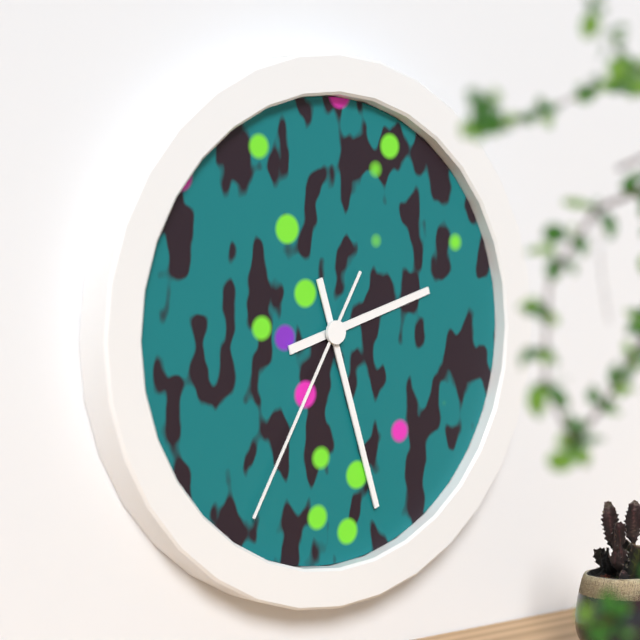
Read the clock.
2:27:35
